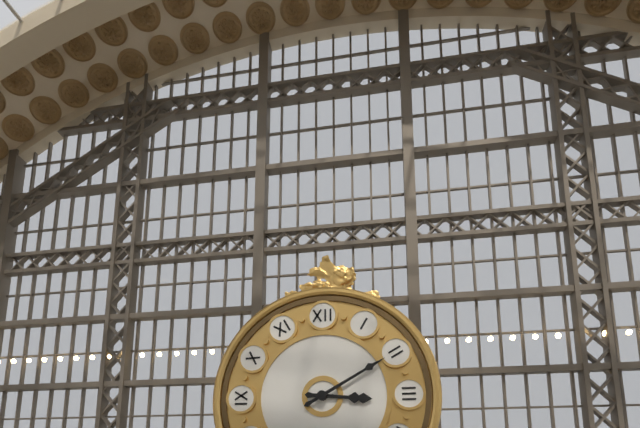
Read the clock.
3:10
